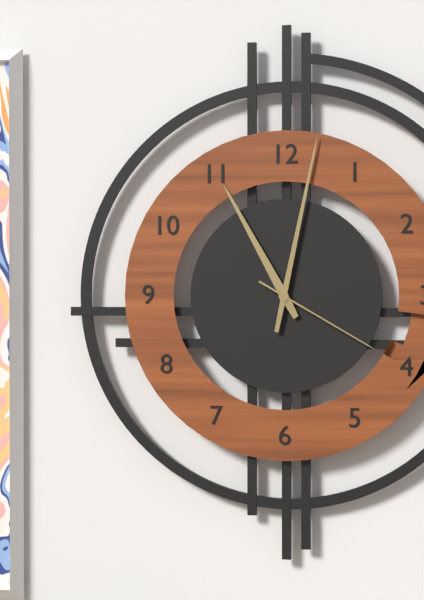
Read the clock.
11:02:20
